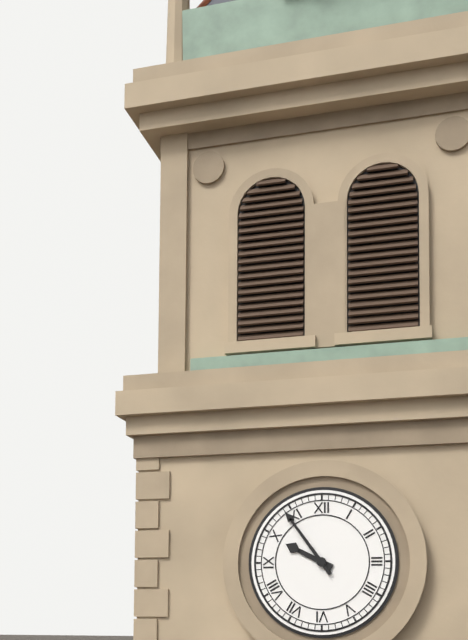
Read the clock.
9:54
